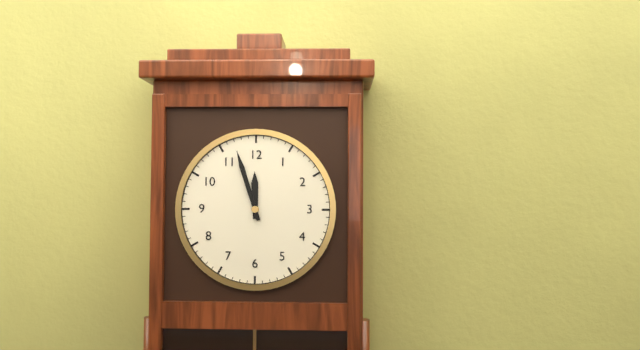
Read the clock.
11:57
